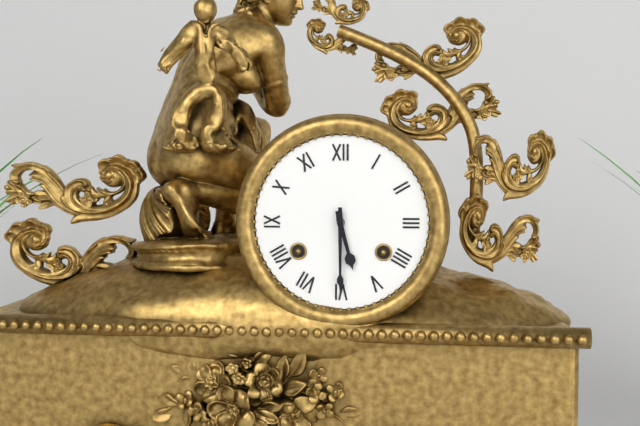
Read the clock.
5:30
